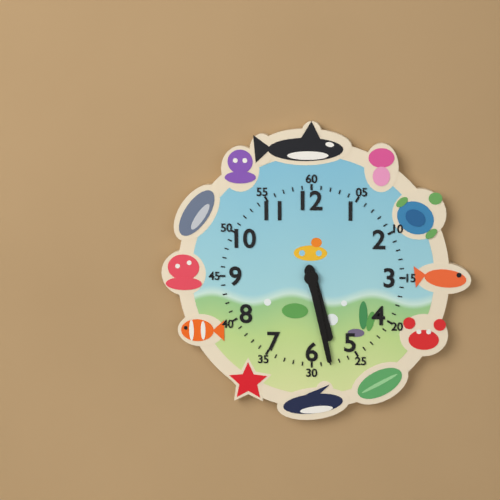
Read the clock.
5:28
